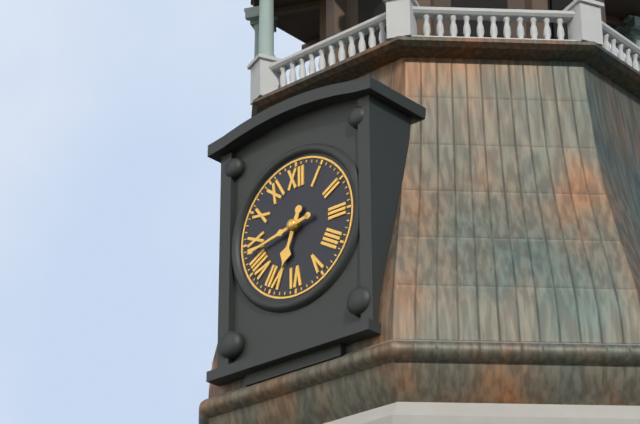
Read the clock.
6:43
